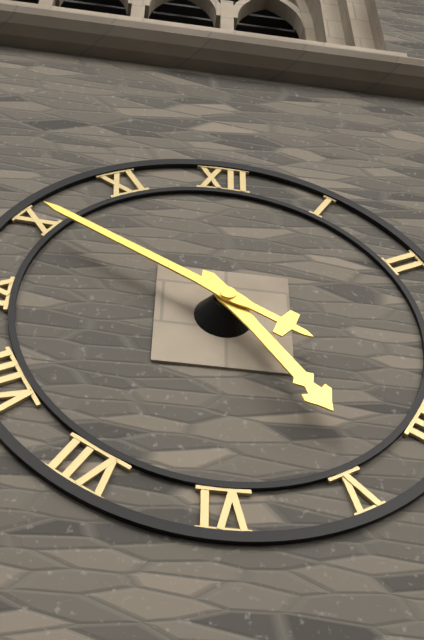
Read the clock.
4:50
